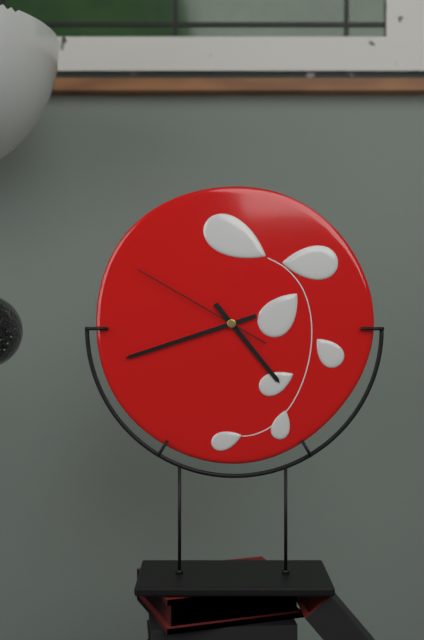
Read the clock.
4:42:50
